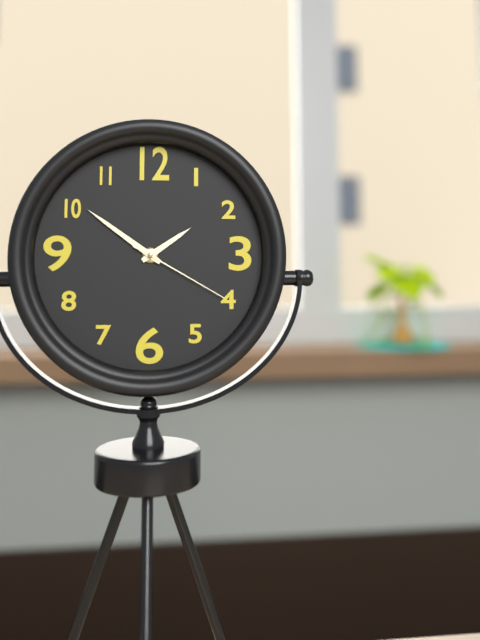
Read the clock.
1:51:20
